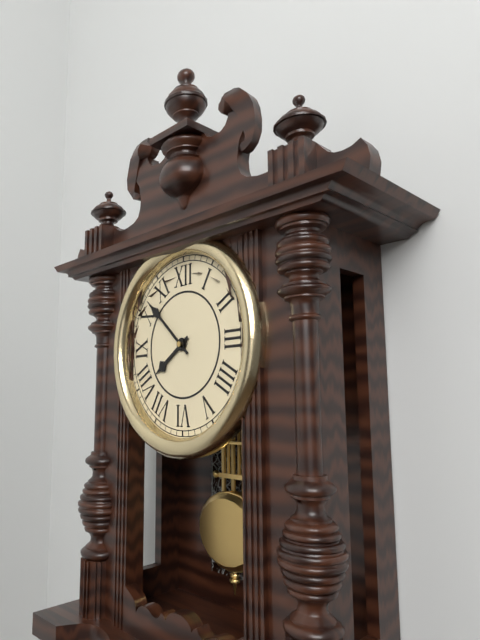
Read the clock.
7:52
